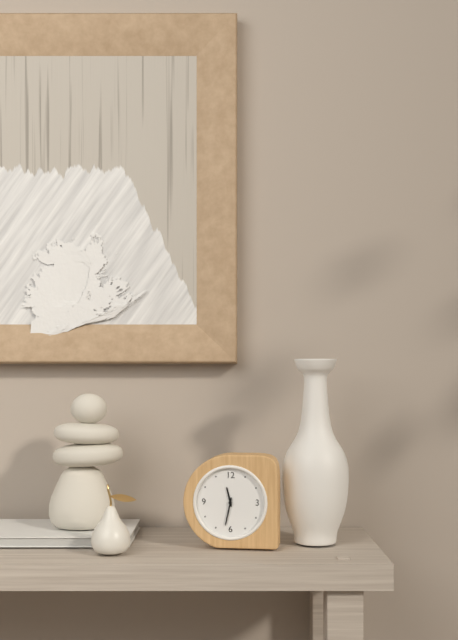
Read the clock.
11:32
